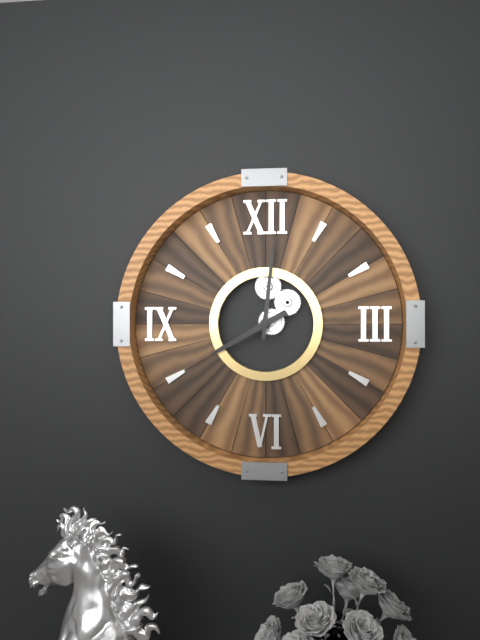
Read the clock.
8:01
